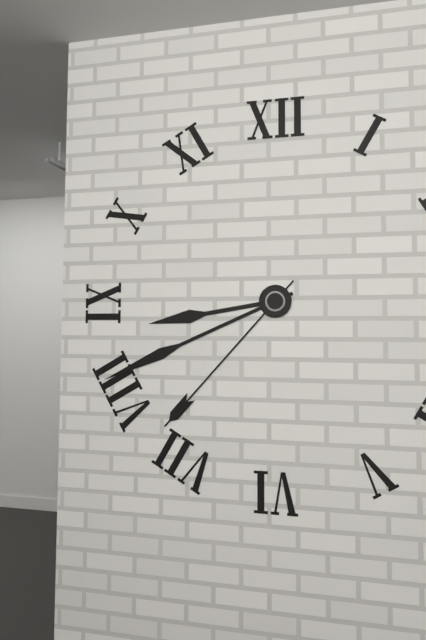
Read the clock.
8:41:37
